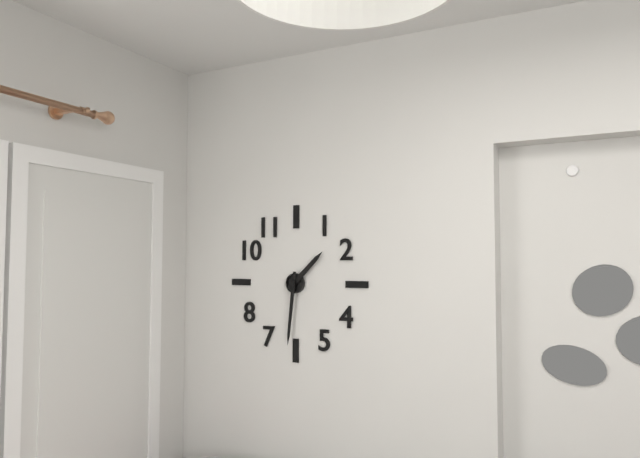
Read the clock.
1:31
